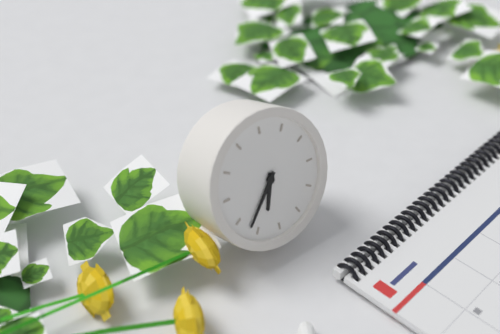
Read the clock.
6:37
